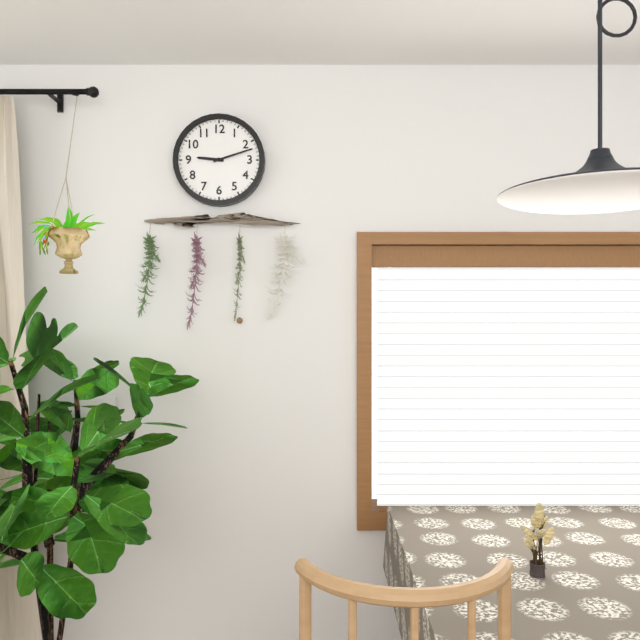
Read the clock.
9:12
